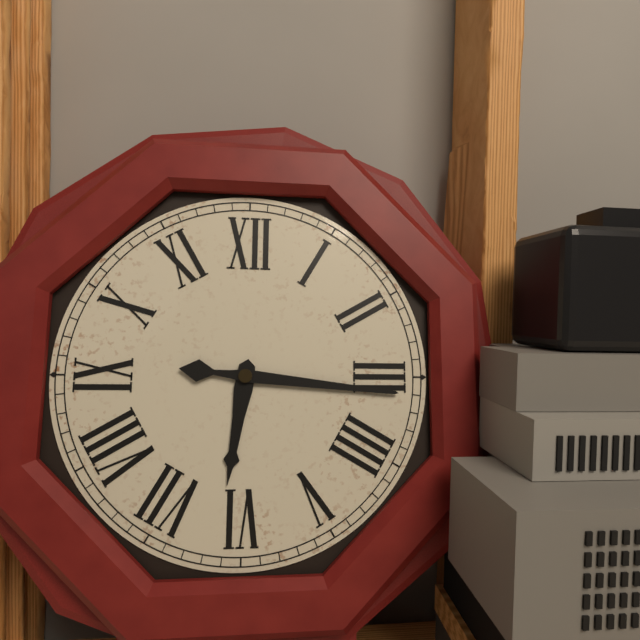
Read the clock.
6:16
